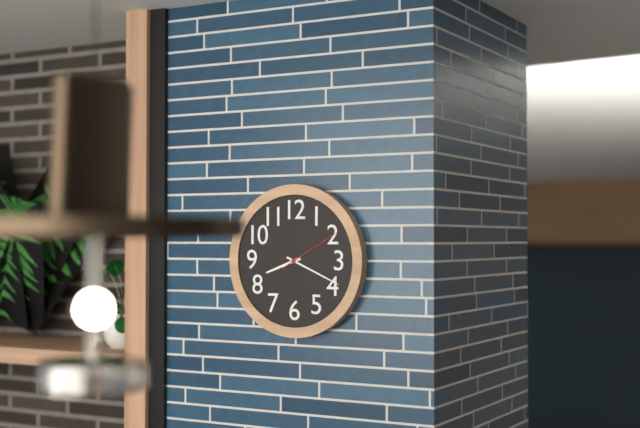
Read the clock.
8:19:10
